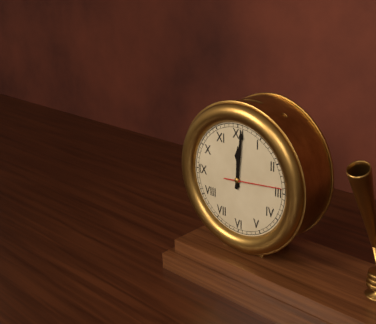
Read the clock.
12:01:14
